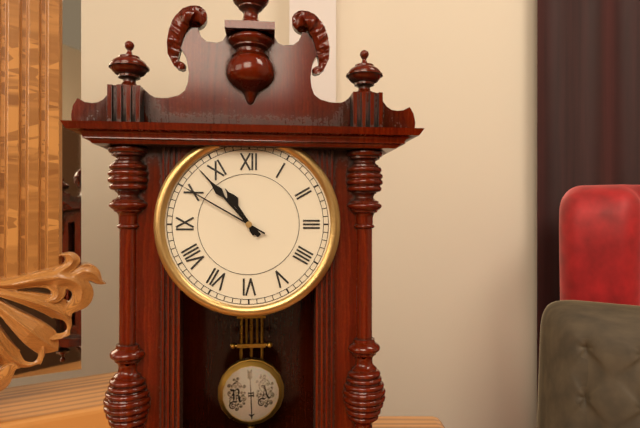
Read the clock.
10:53:50
